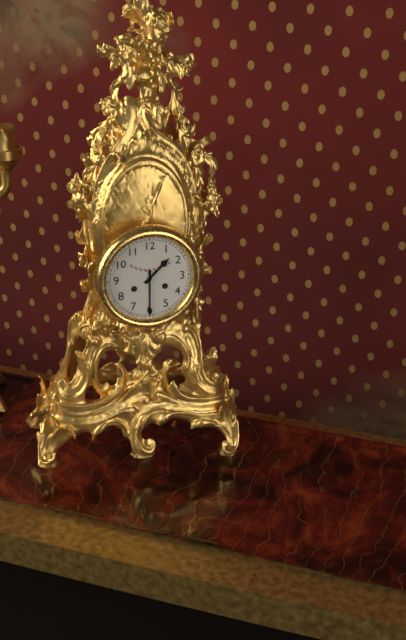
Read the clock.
1:30
